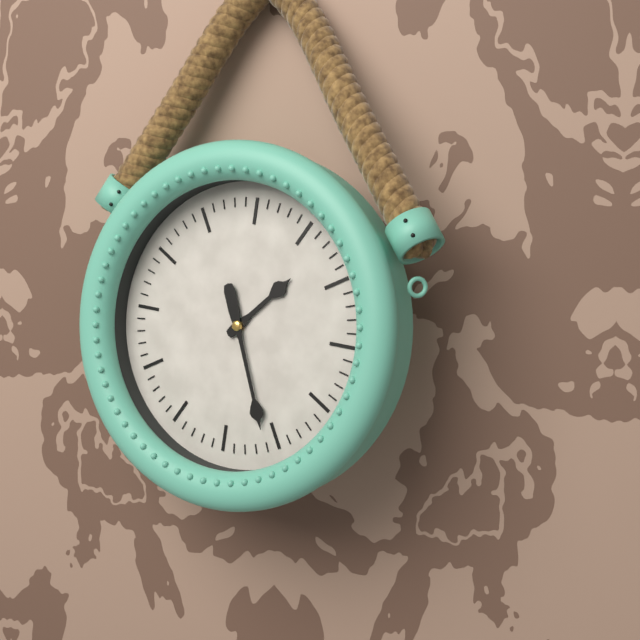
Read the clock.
1:26
